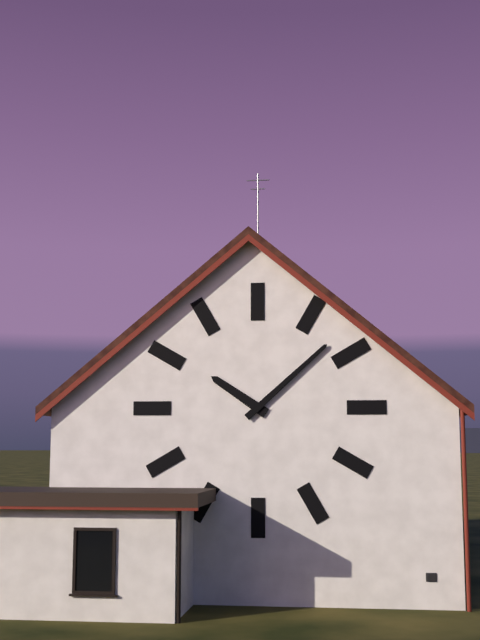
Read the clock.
10:08
